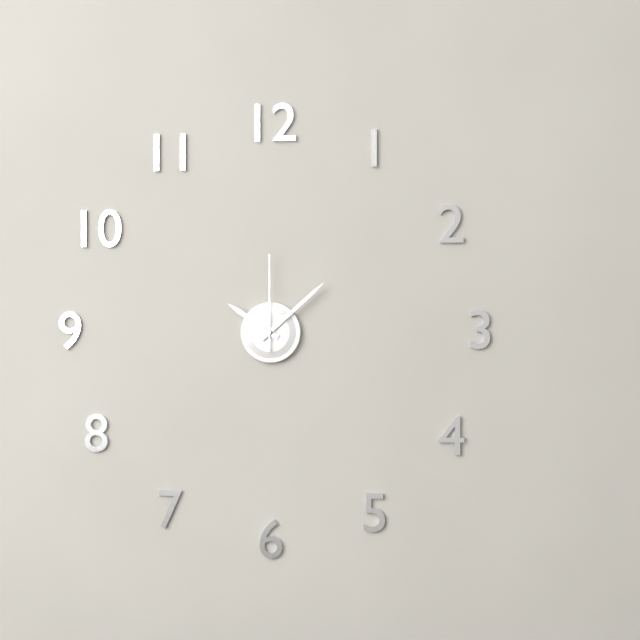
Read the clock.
10:08:00
